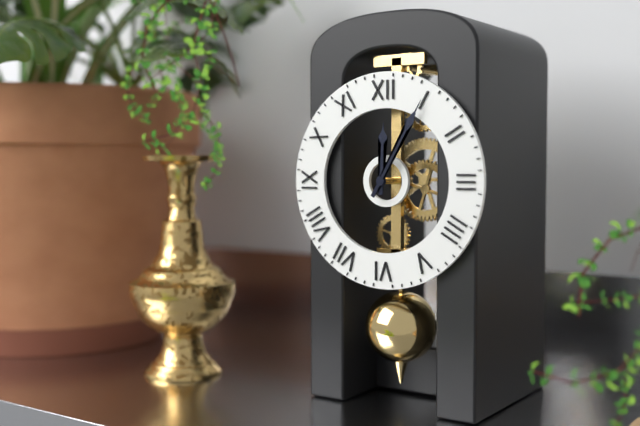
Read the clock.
12:05
